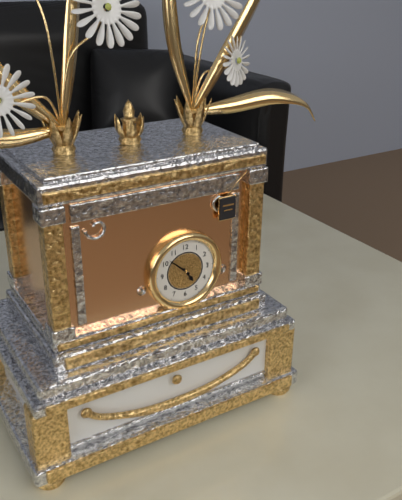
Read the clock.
4:52
